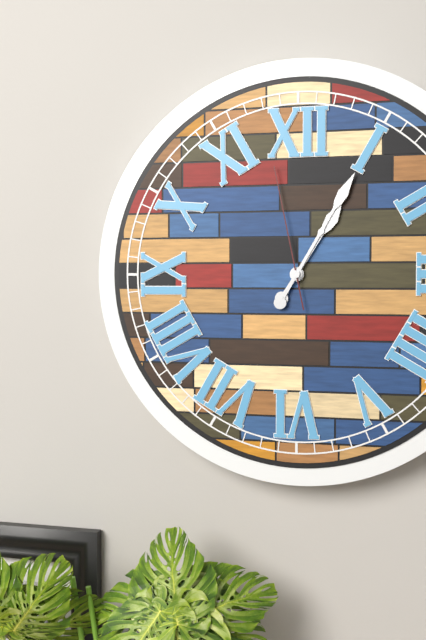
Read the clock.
1:05:58
